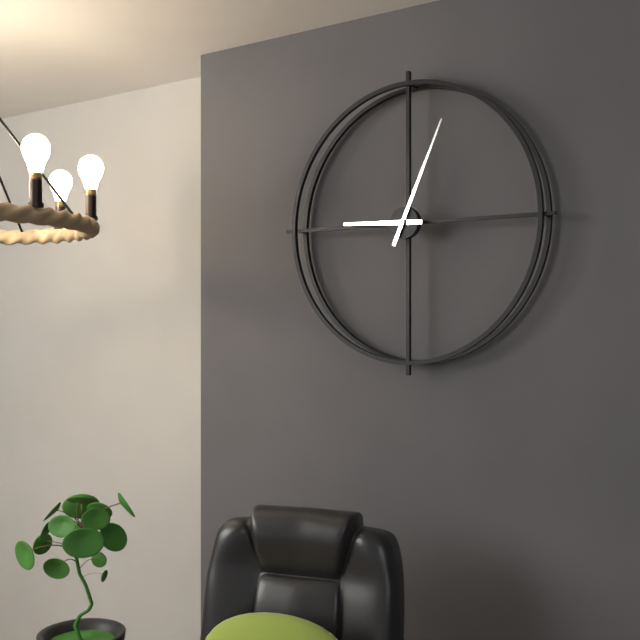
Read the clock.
9:04
